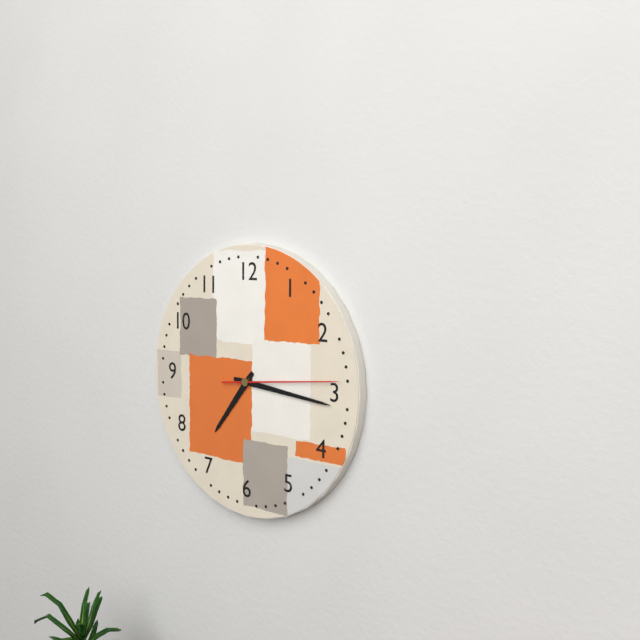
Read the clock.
7:16:14
